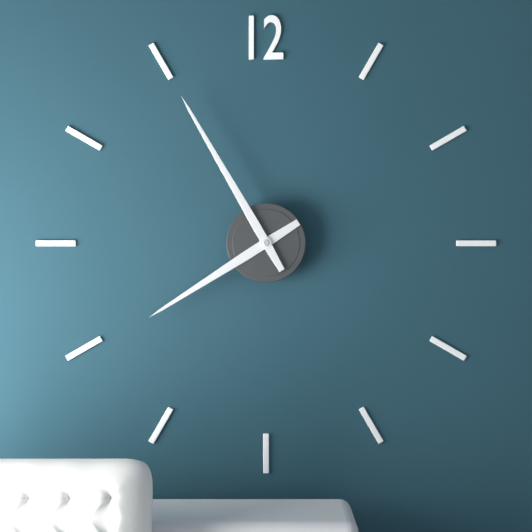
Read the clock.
7:55
